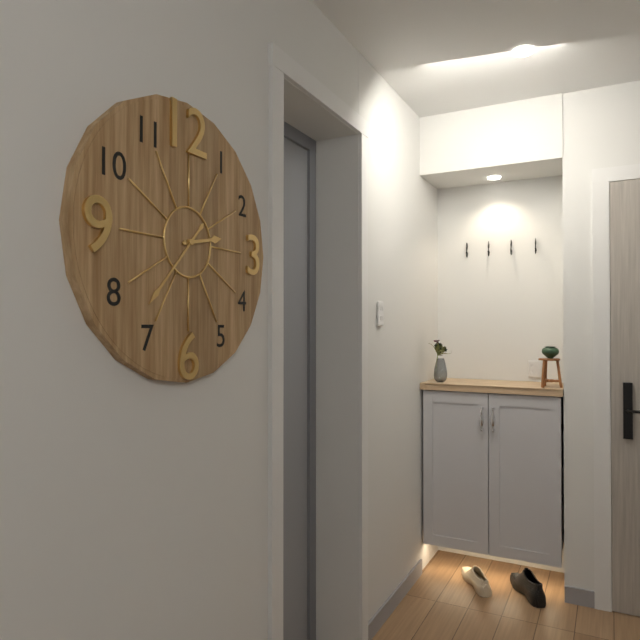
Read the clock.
2:37
